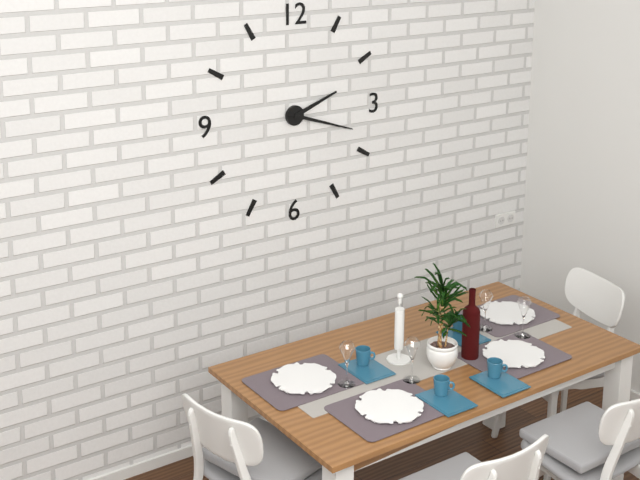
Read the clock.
2:18
